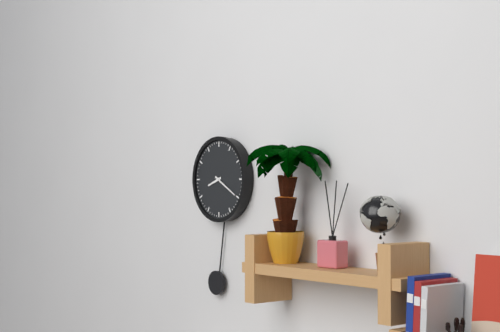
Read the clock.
8:20
